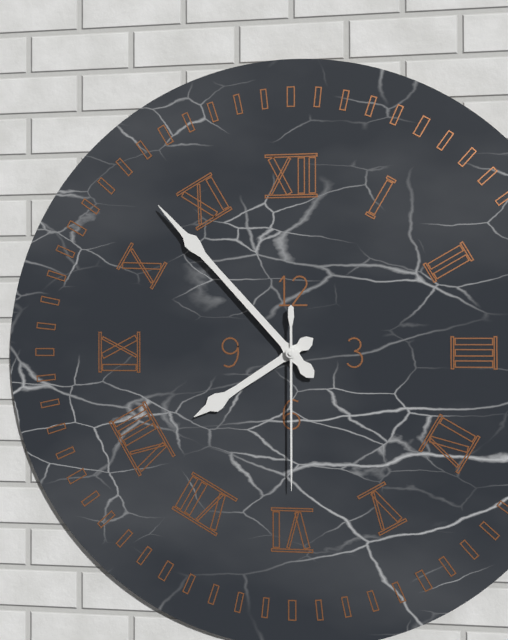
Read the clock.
7:53:30
